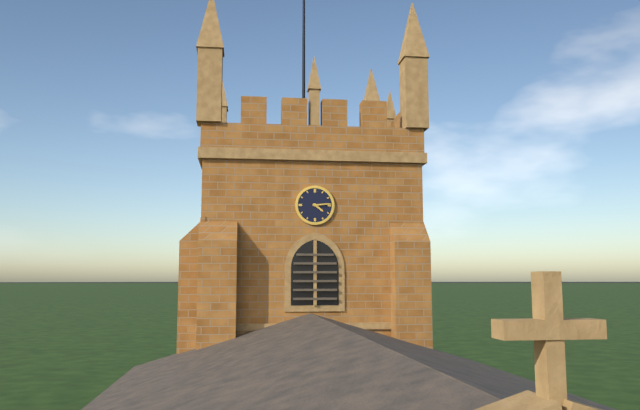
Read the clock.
4:14
